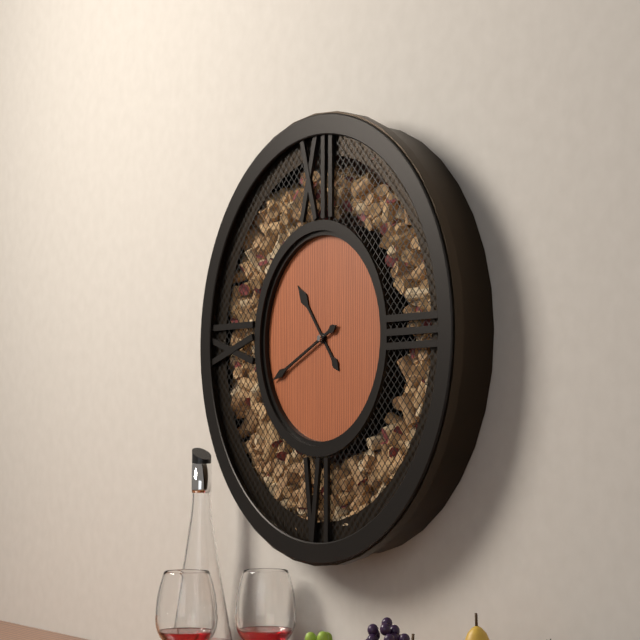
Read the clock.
10:41
